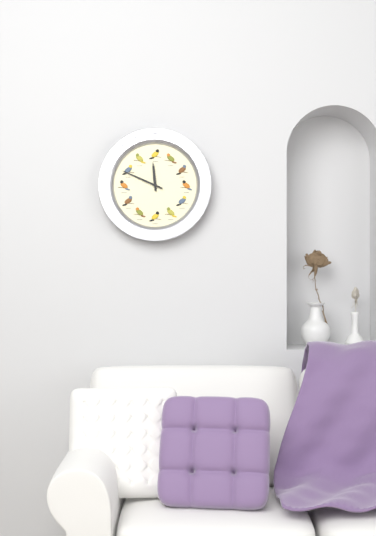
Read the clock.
11:49
